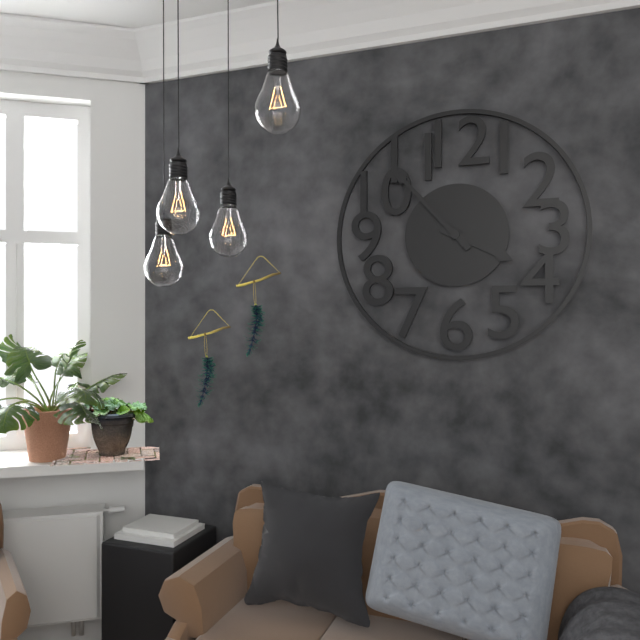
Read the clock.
3:53
